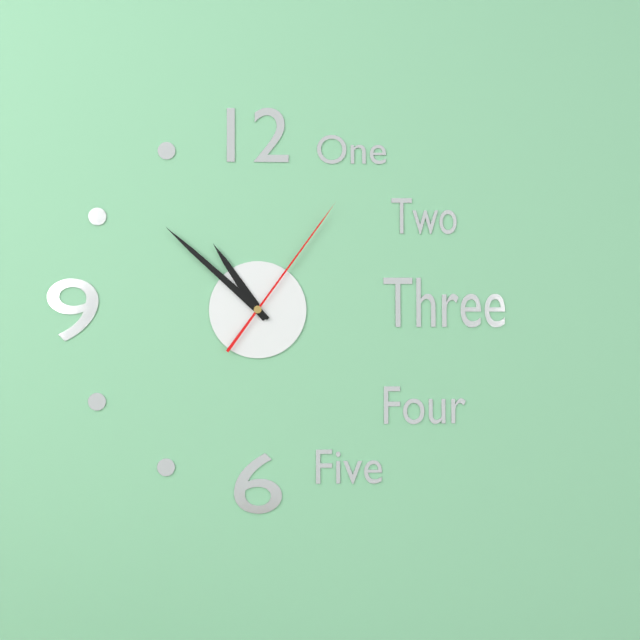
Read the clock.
10:52:06
